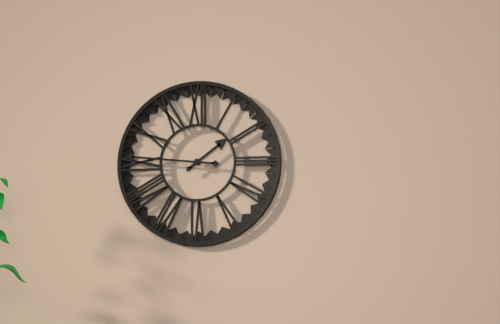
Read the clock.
1:46
